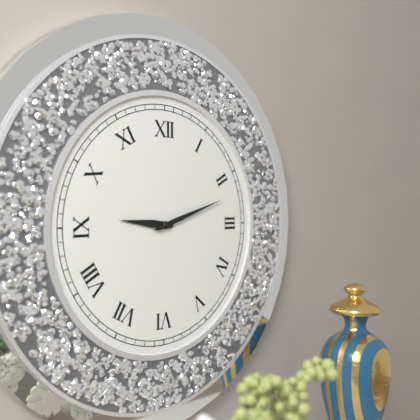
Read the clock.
9:12
